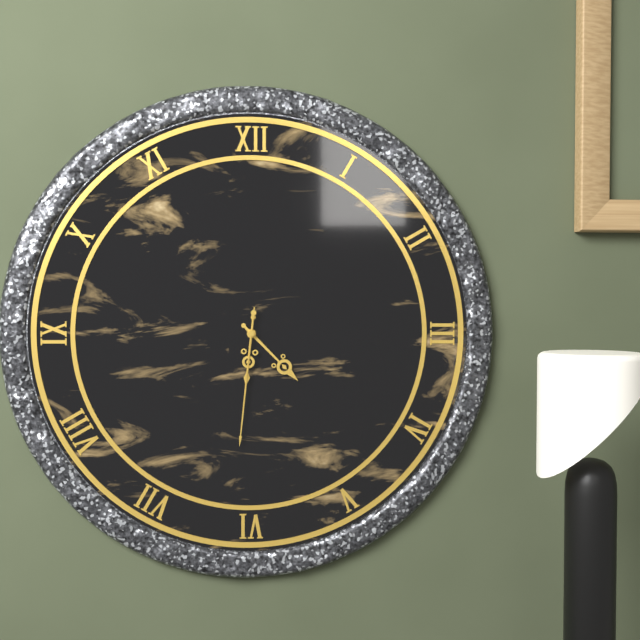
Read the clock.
4:31:31
